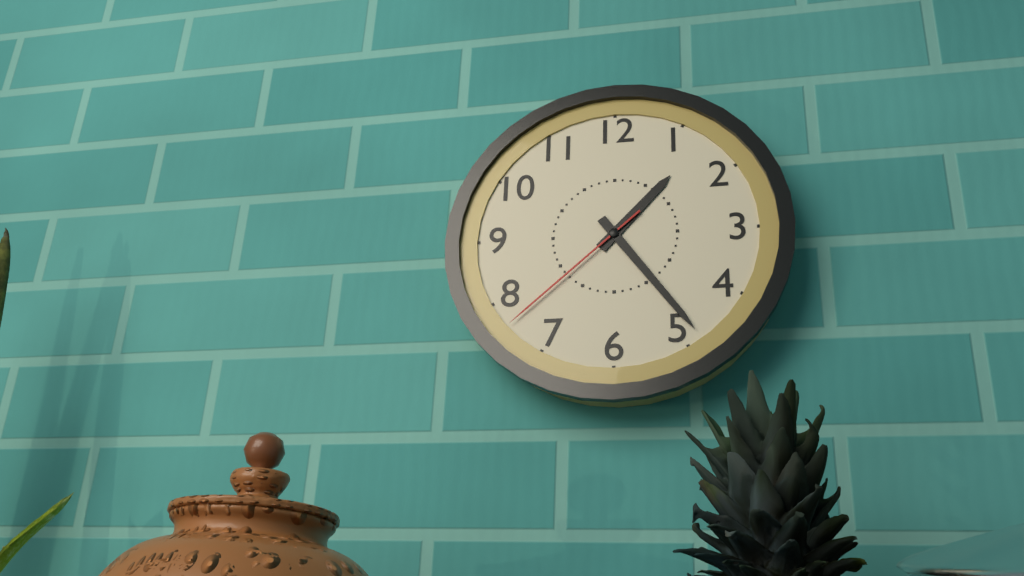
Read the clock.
1:24:38
